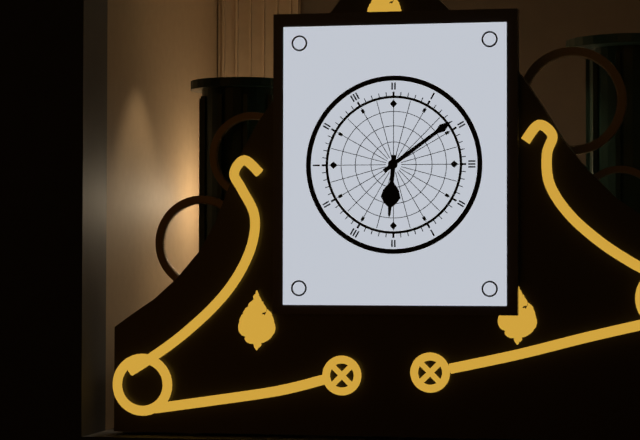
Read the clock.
6:09
